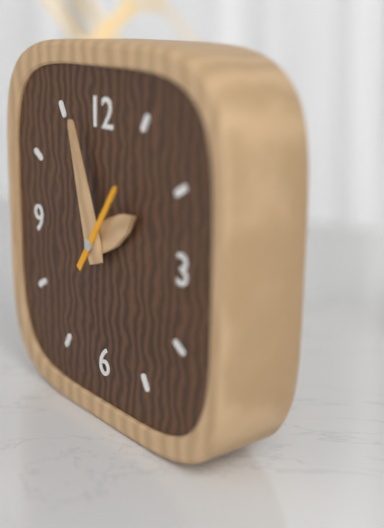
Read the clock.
1:57:06
